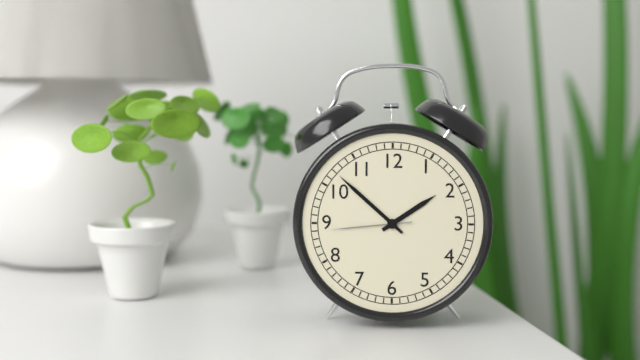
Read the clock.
1:52:44
